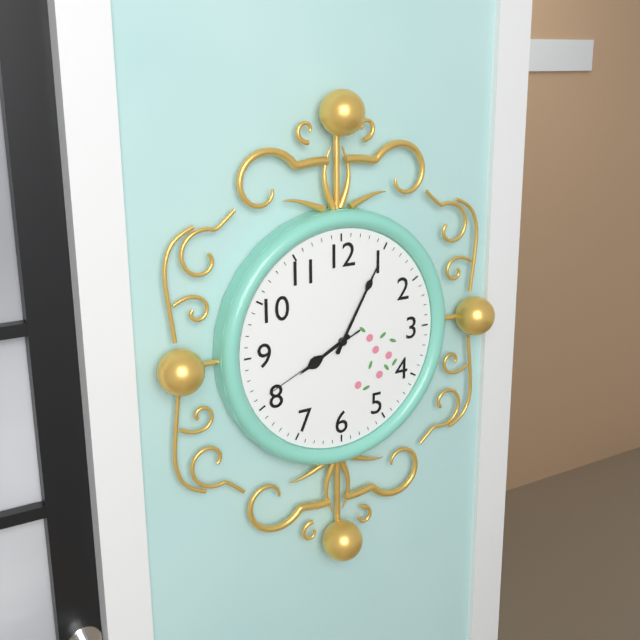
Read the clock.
8:05:41
